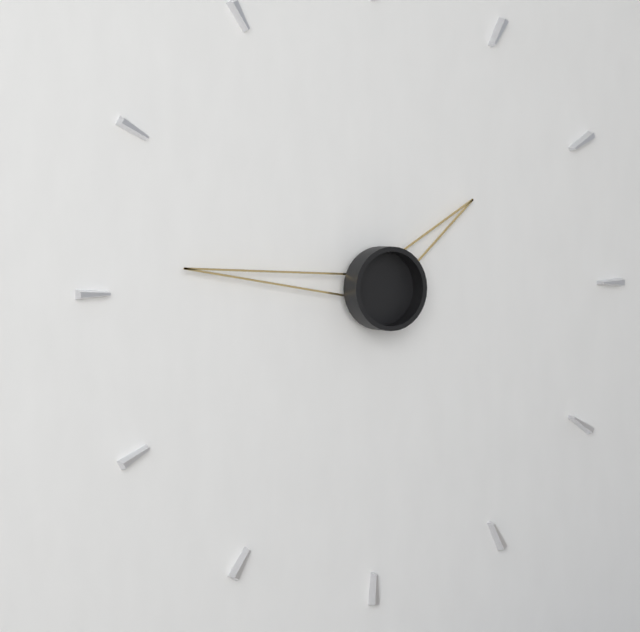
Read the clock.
1:46
